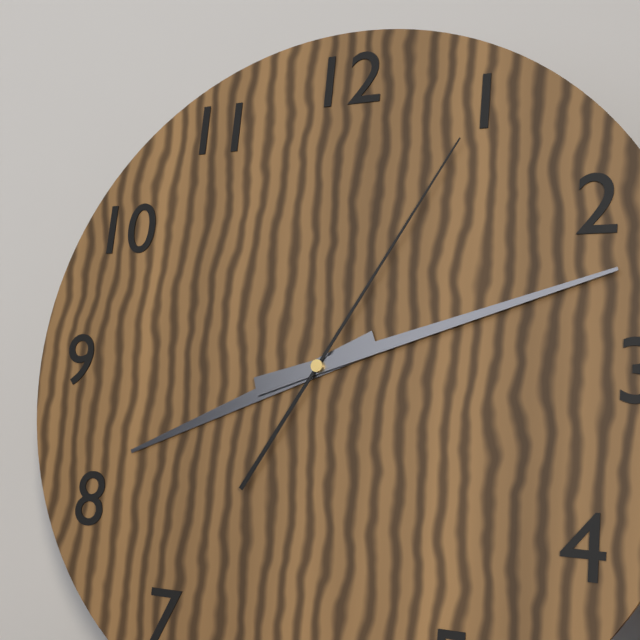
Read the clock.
8:12:05
